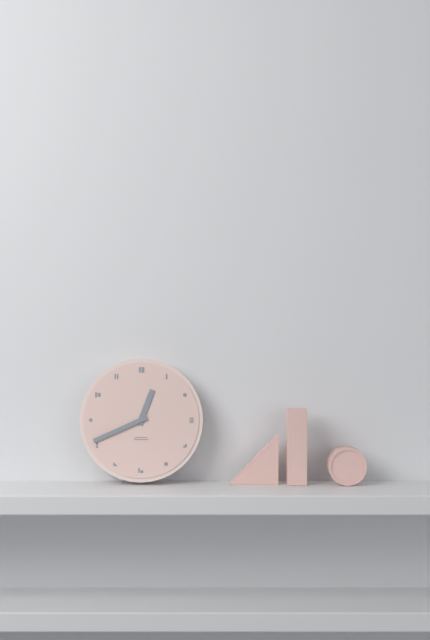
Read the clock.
12:41
